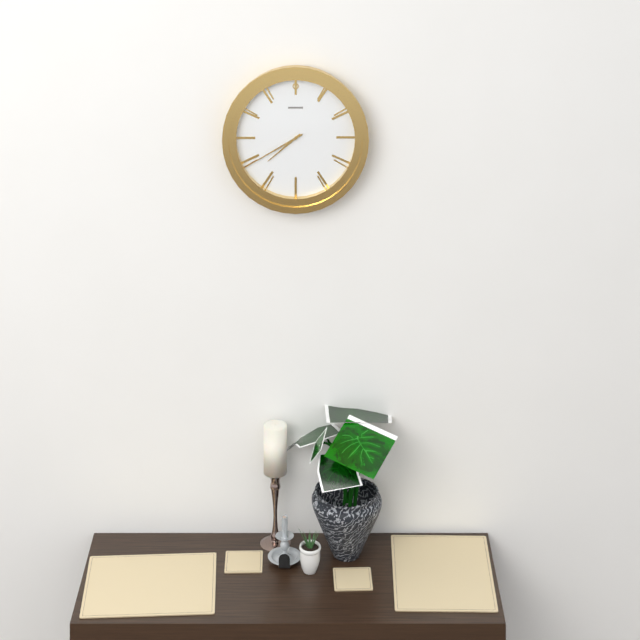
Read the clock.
7:40
